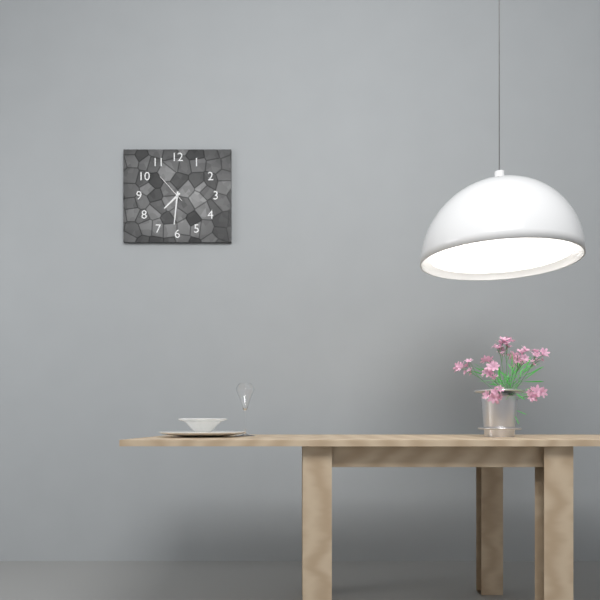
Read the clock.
7:31
